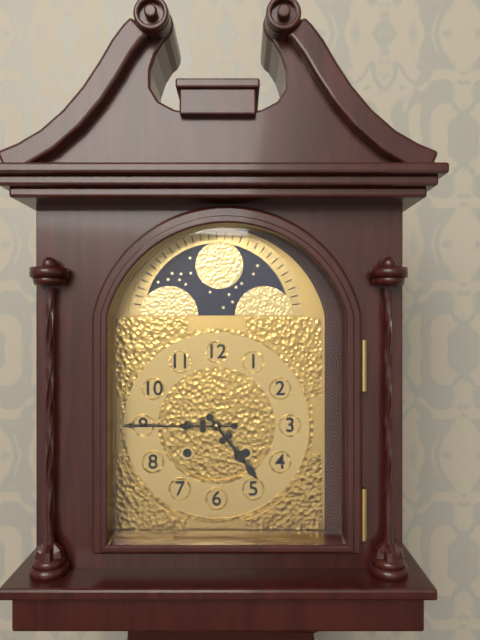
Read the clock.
4:45
